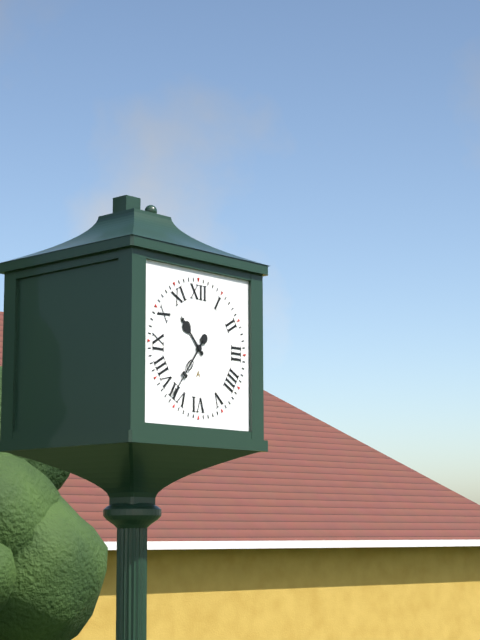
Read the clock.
10:36
